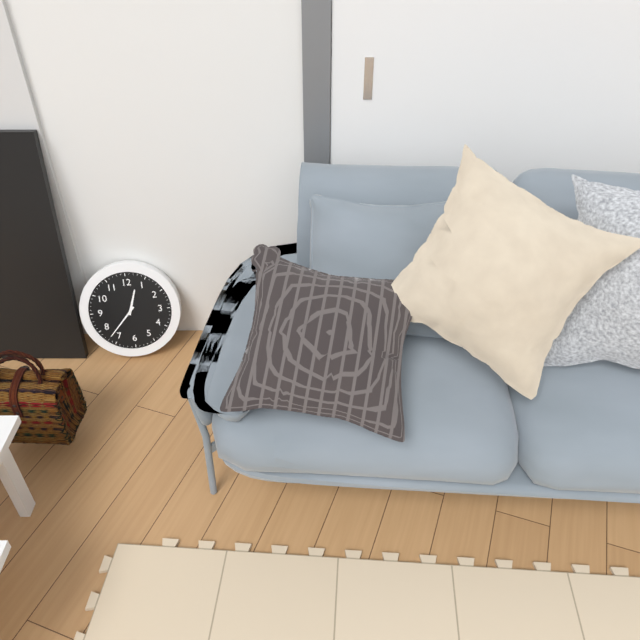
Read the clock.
12:37
